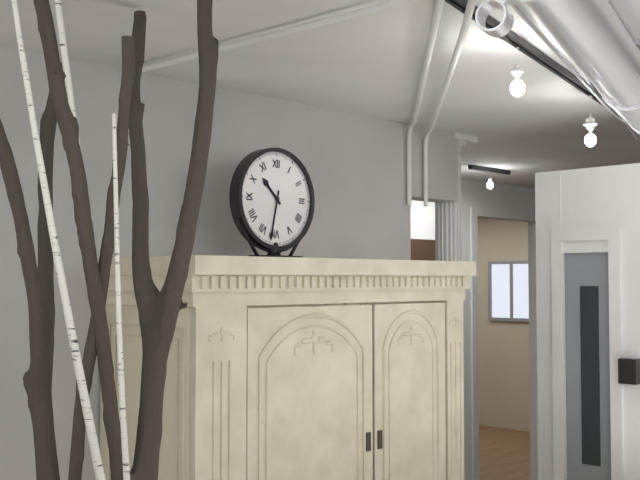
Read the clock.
10:32
